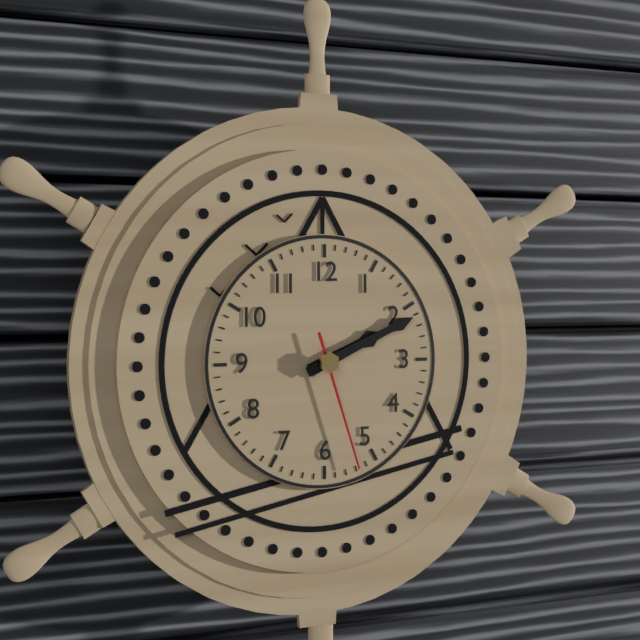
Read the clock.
2:11:27
